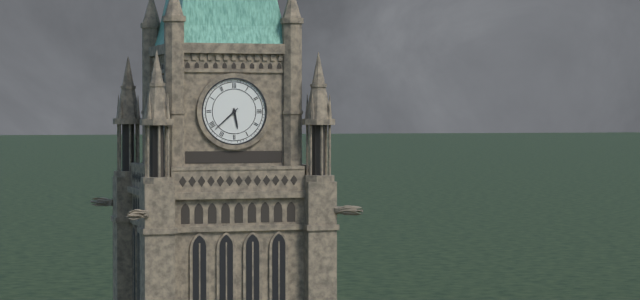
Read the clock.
5:38
